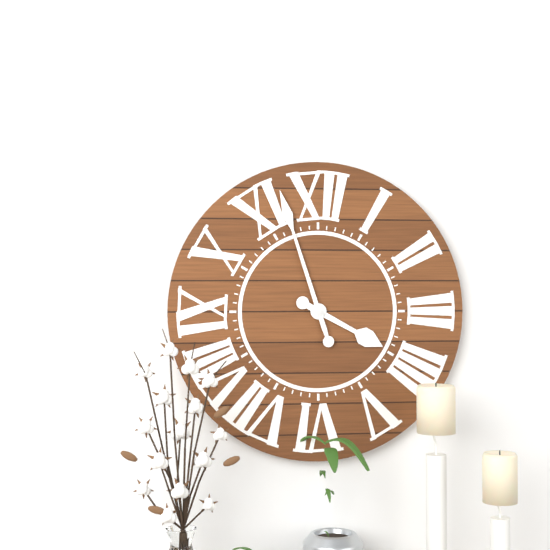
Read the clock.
3:57
